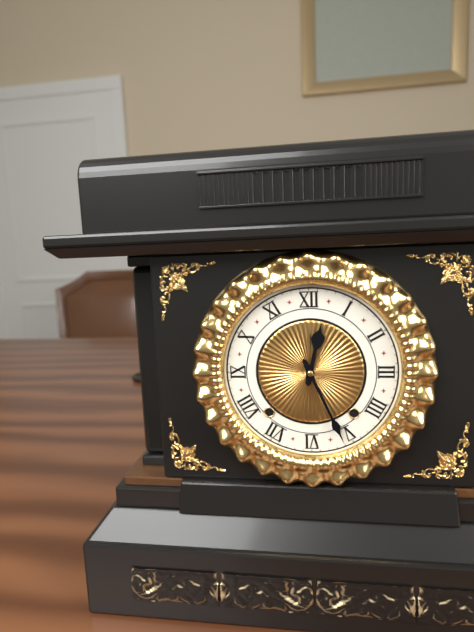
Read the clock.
12:26
